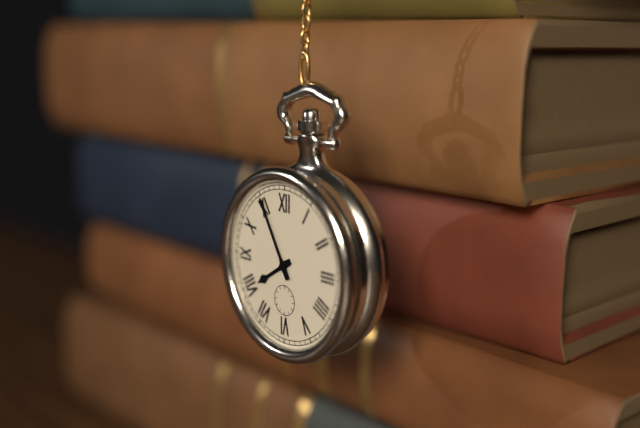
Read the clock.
7:55
